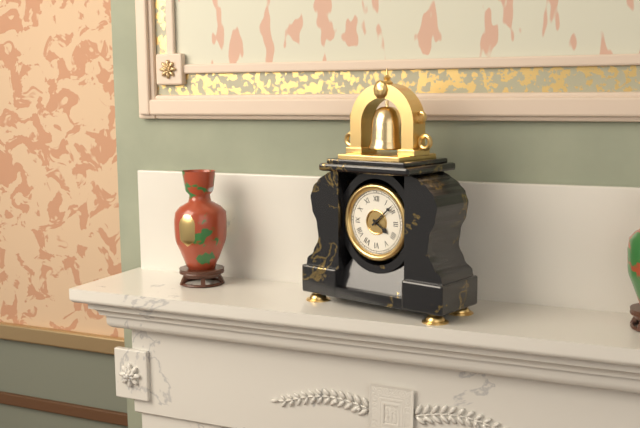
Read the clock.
4:08
